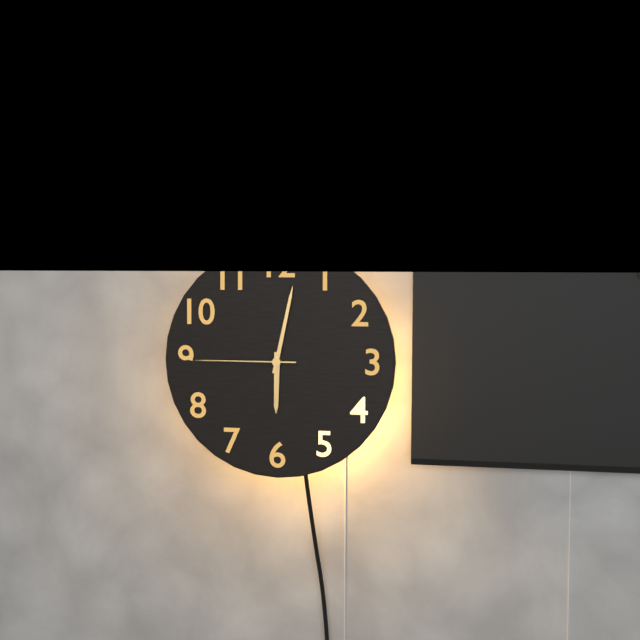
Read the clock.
6:02:45
